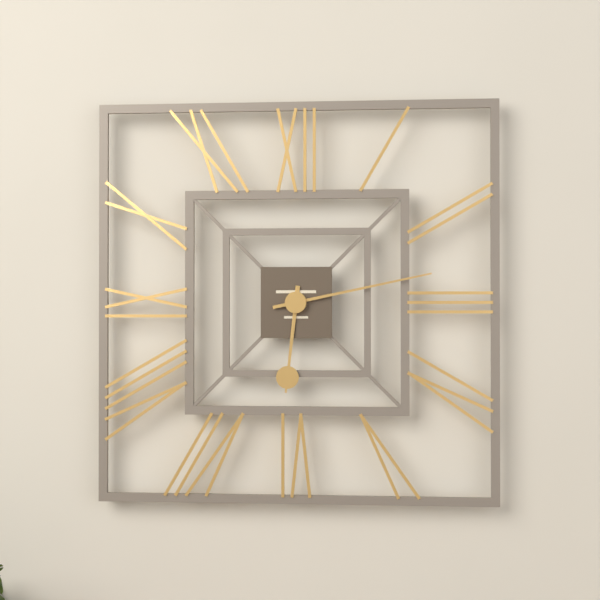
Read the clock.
6:13
